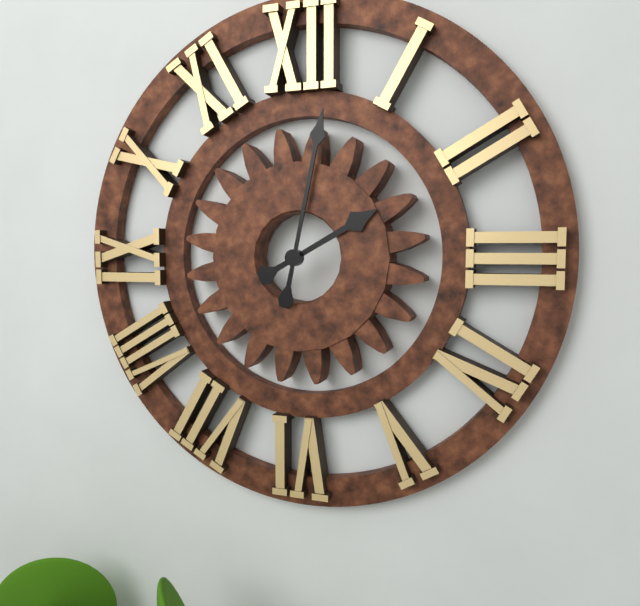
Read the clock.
2:02
